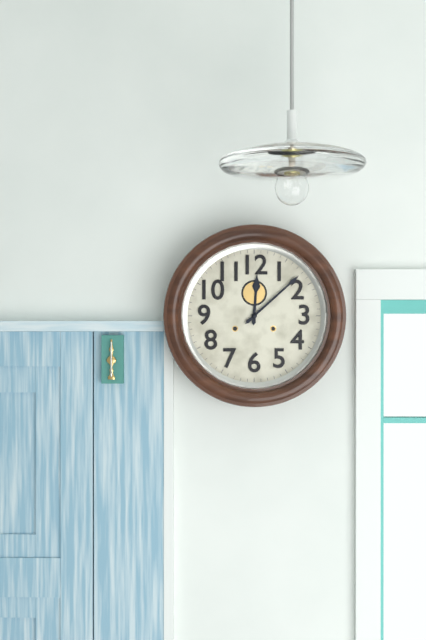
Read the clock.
12:08
